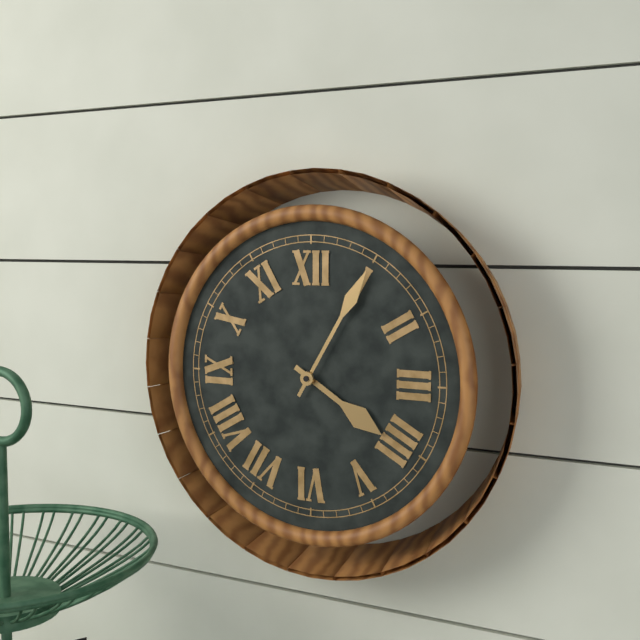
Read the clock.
4:05
